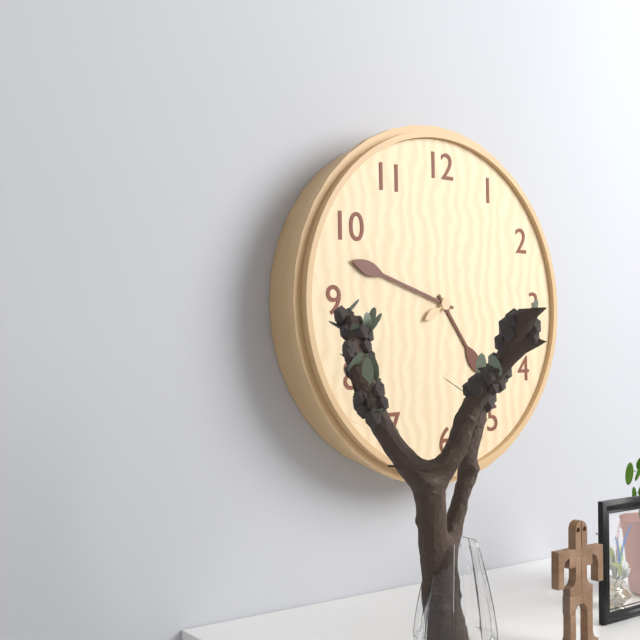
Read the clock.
4:48
